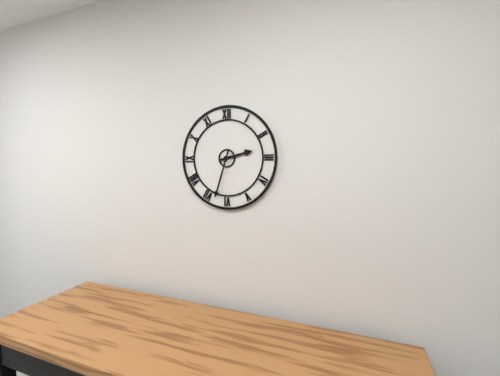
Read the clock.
2:33
